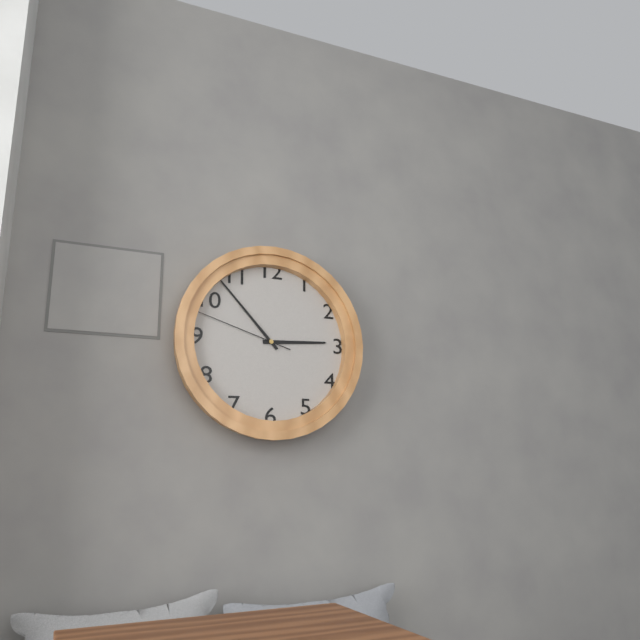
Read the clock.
2:53:48
